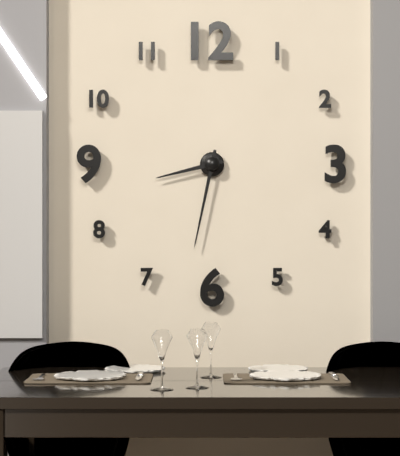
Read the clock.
8:32
